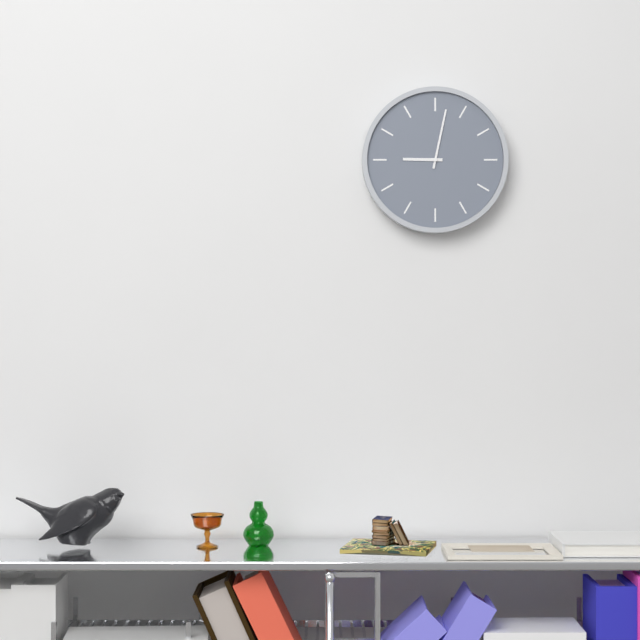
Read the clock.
9:02
